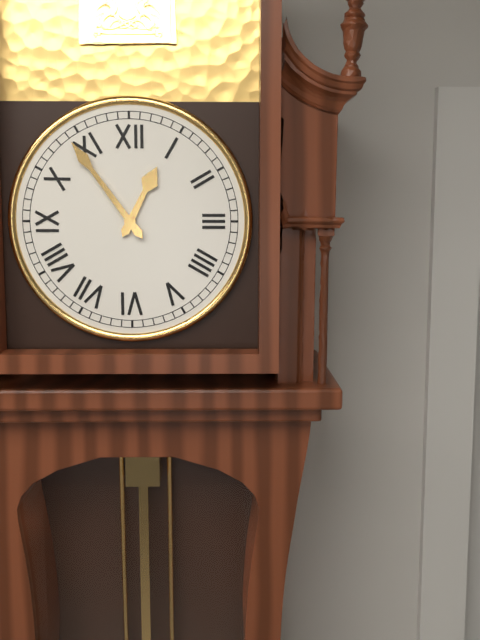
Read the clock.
12:54
